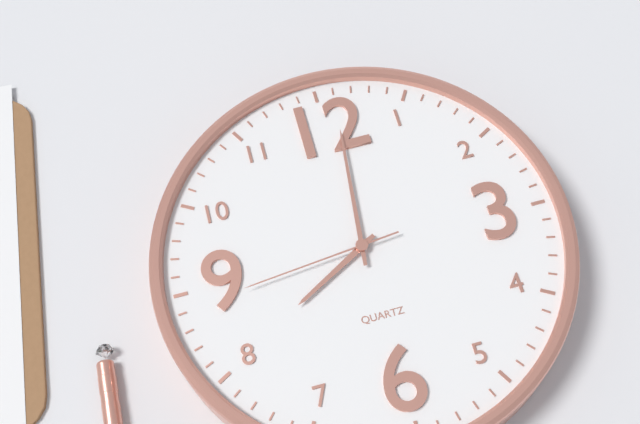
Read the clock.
8:01:44
